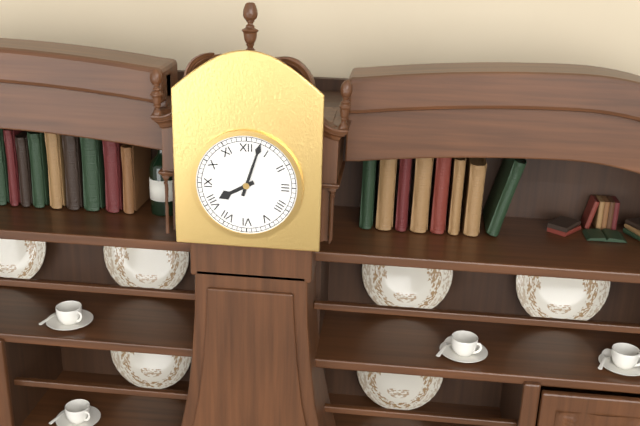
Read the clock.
8:03
